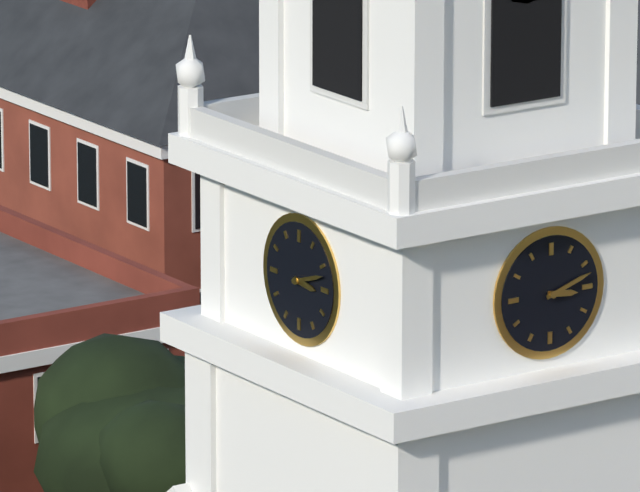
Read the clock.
3:12
